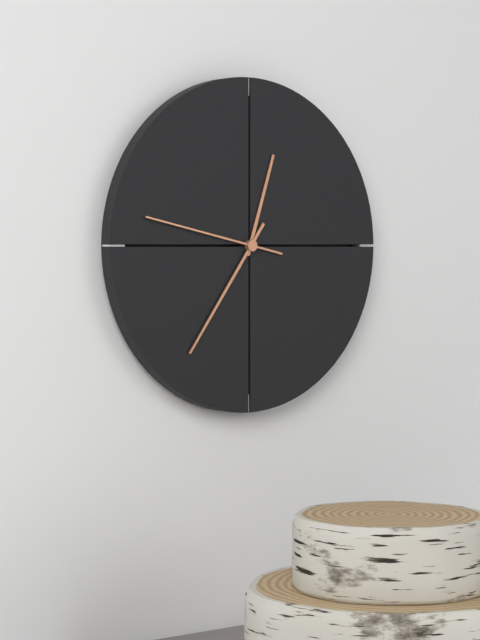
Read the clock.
12:36:47
